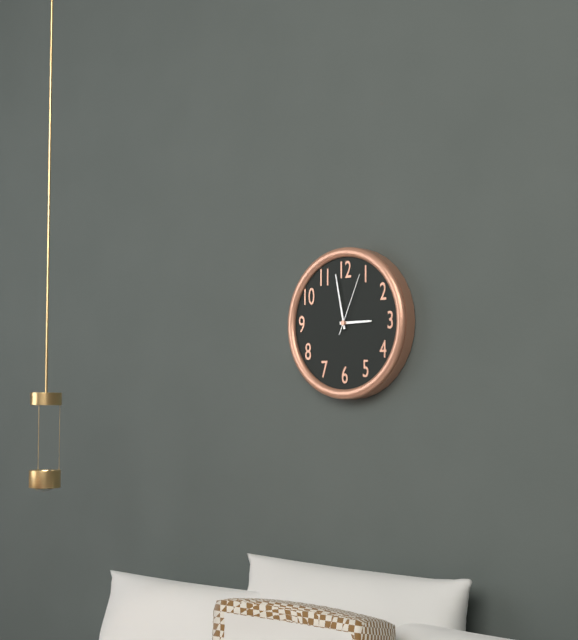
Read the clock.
2:58:04
